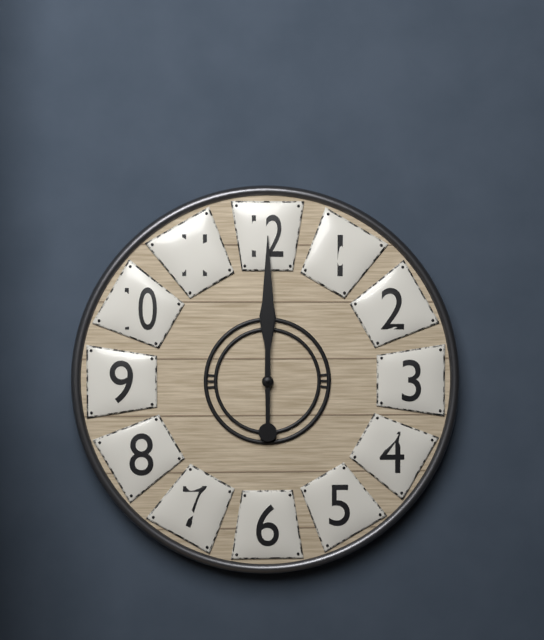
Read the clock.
12:00
